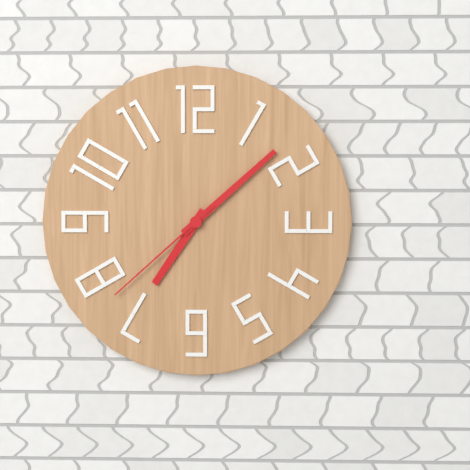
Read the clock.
7:08:38
